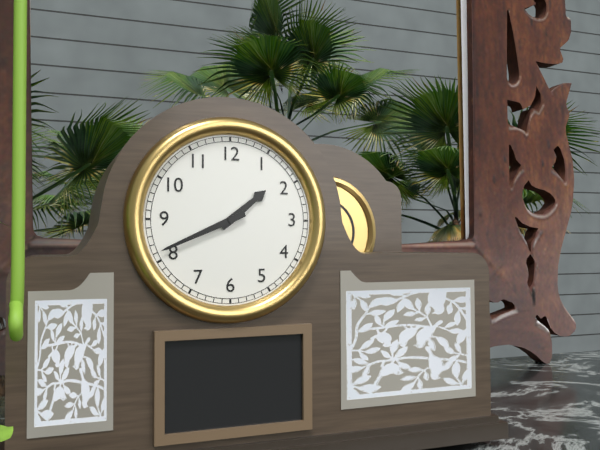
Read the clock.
1:41
